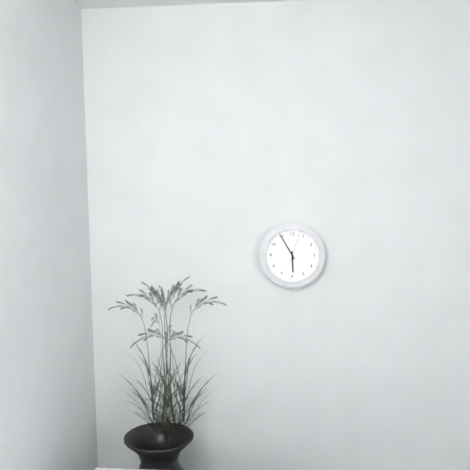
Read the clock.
5:55
